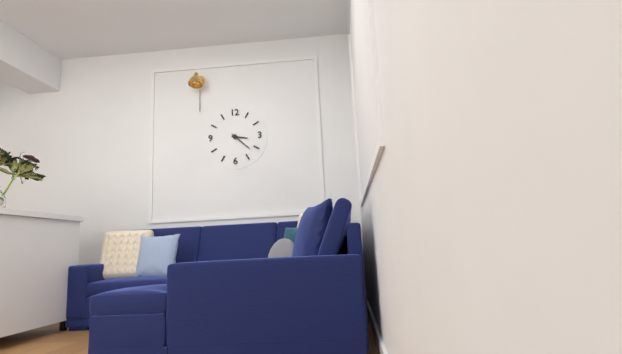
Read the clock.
3:22
